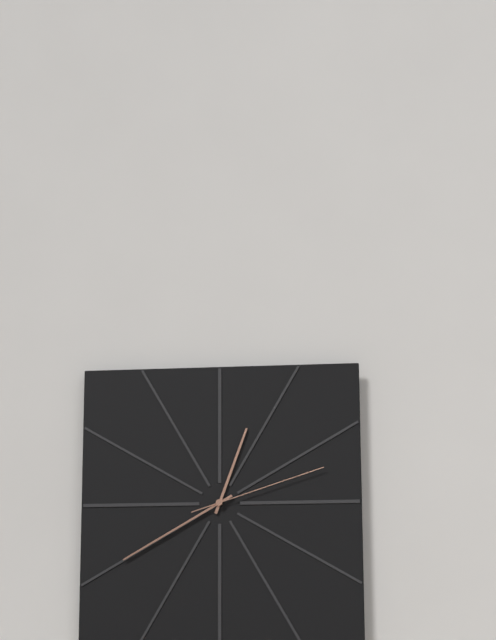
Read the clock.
12:40:12
